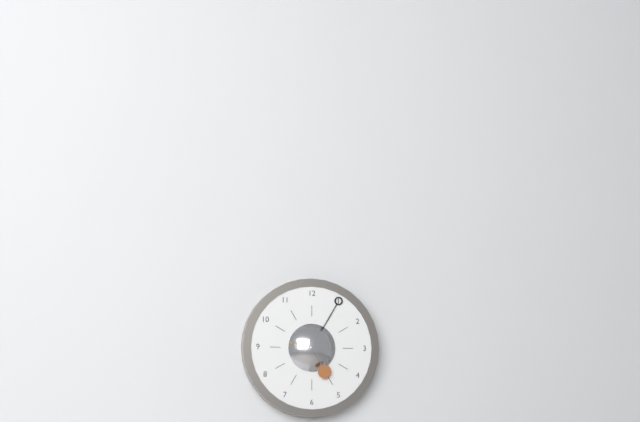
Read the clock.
5:05
